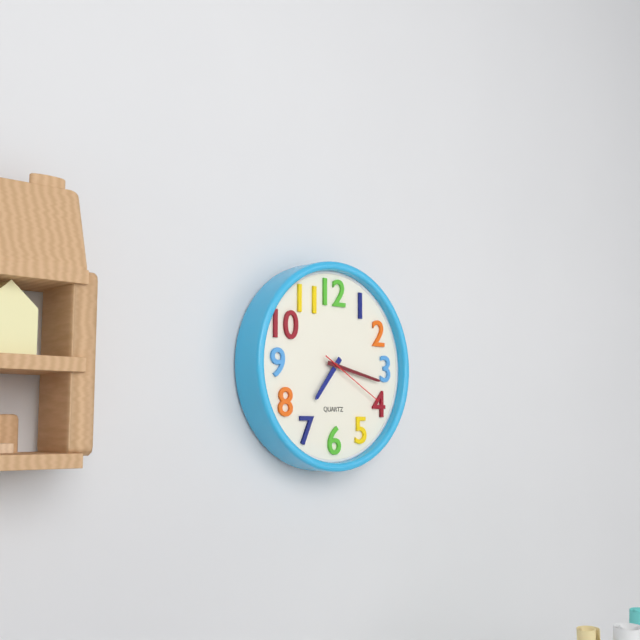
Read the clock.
7:17:20
